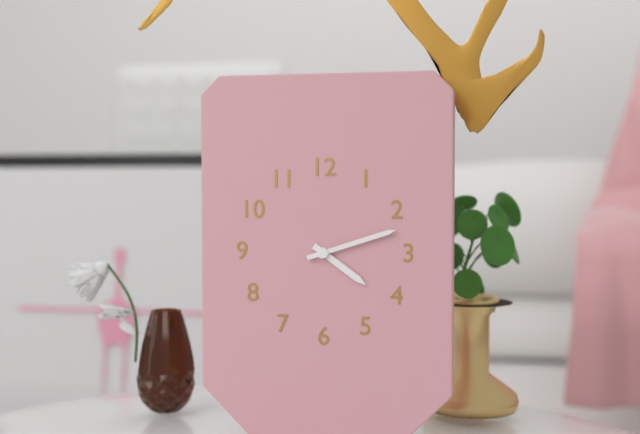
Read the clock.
4:12
